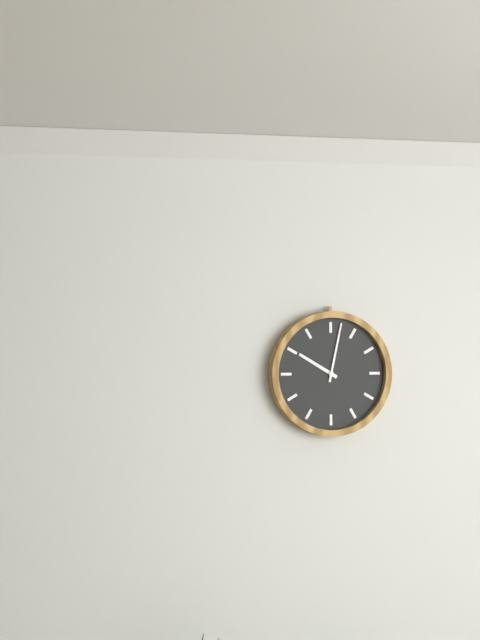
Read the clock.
10:02
